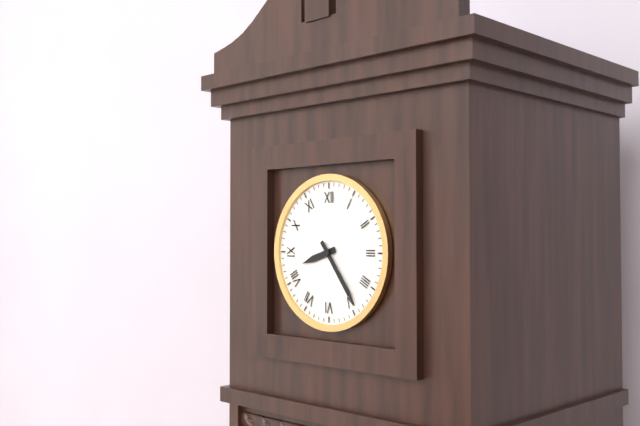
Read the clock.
8:24
